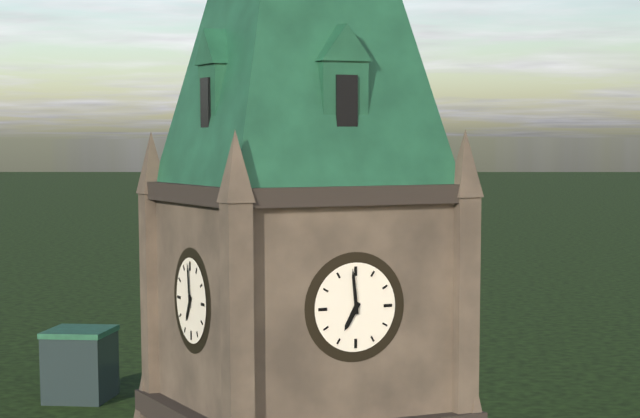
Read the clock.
6:59
